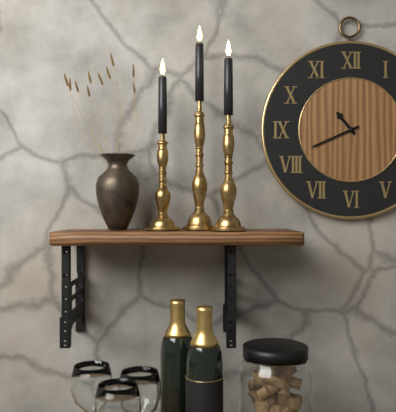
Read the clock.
10:41
